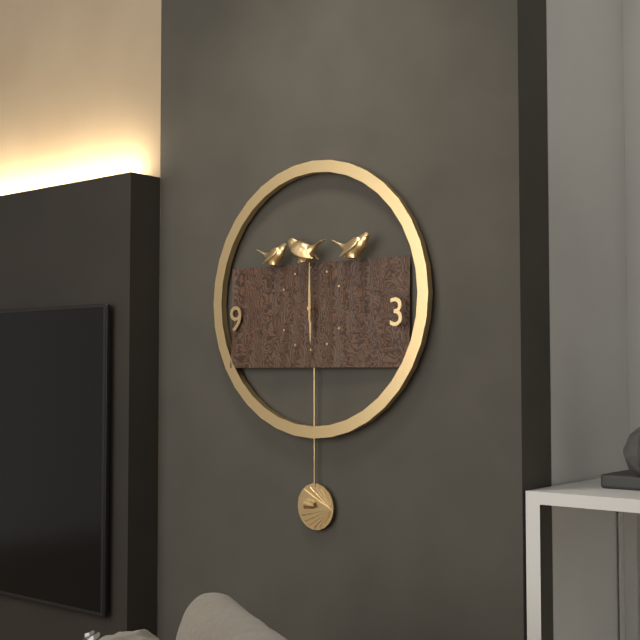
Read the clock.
6:00
